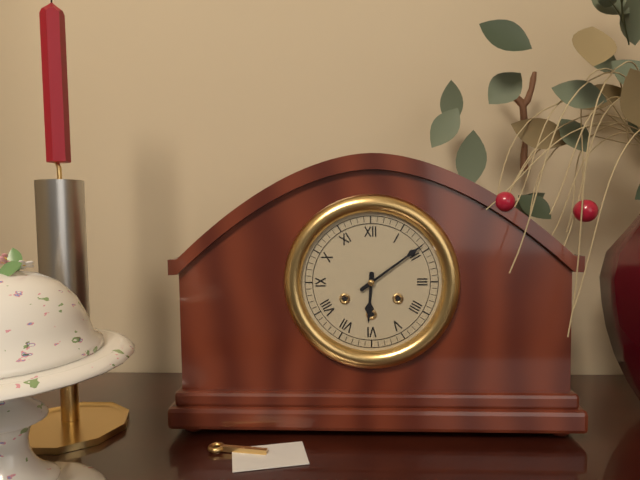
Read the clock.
6:09
